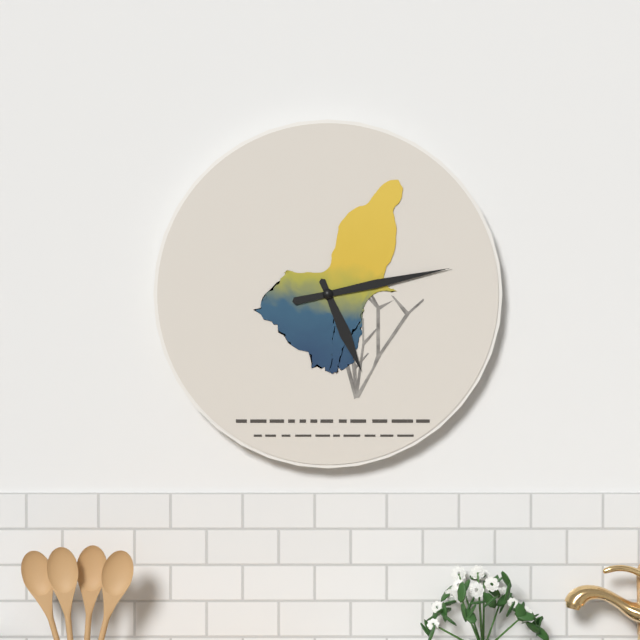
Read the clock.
5:13
